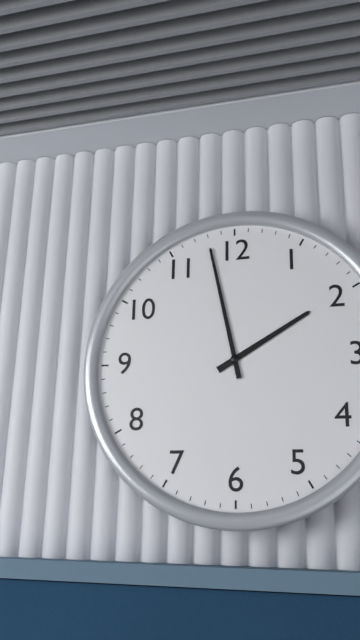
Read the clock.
1:58
